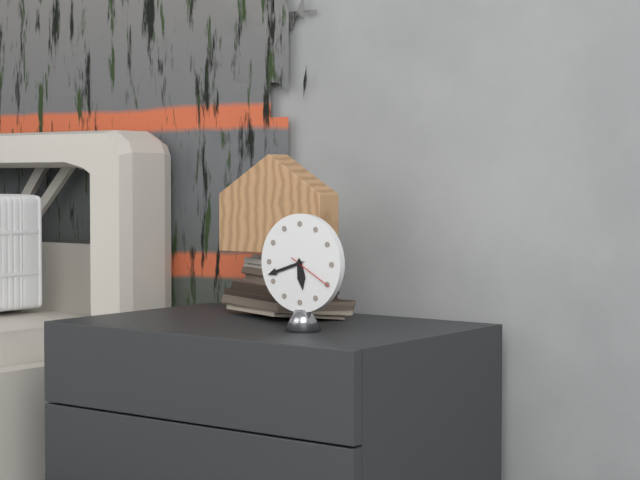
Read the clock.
5:42
